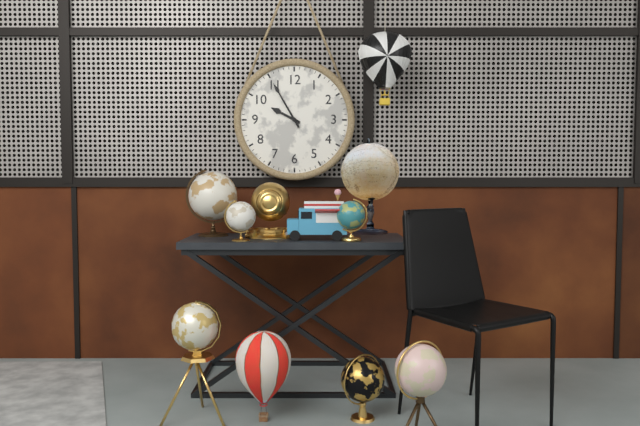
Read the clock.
9:55
